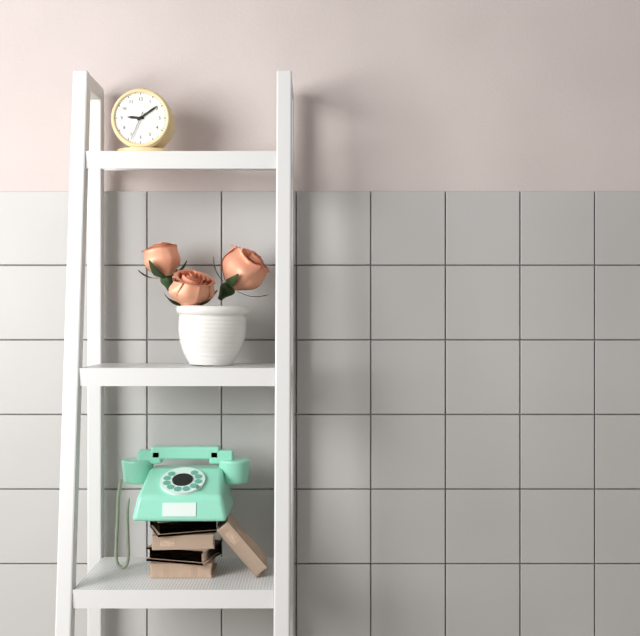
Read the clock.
9:09
